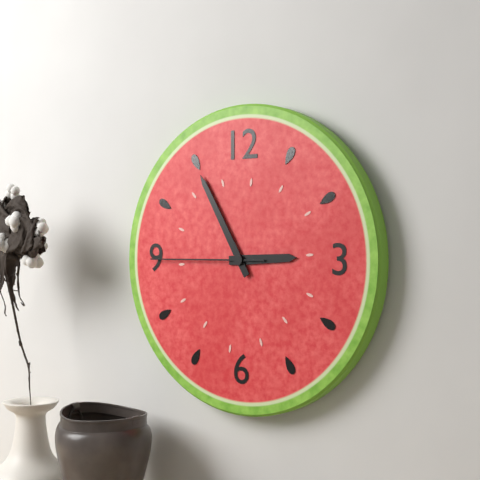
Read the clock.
2:55:45
